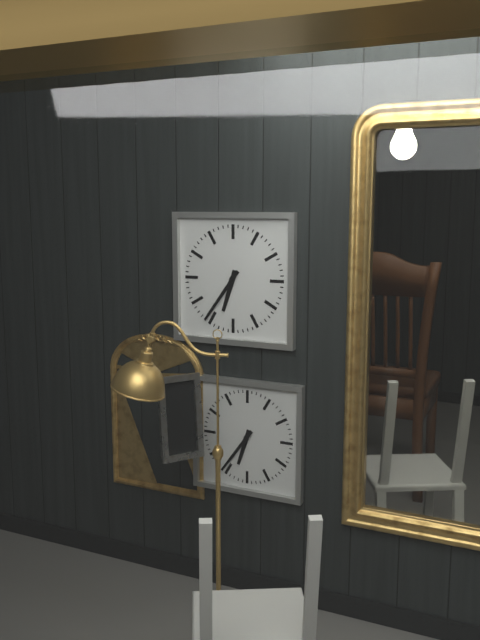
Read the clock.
6:36
